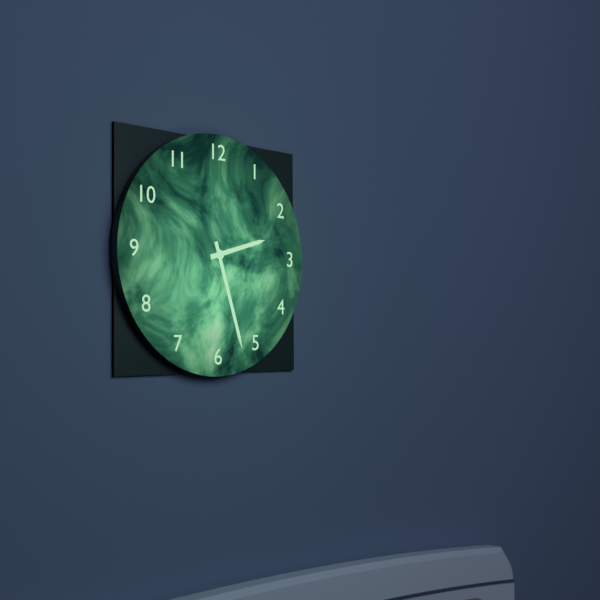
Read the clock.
2:27
